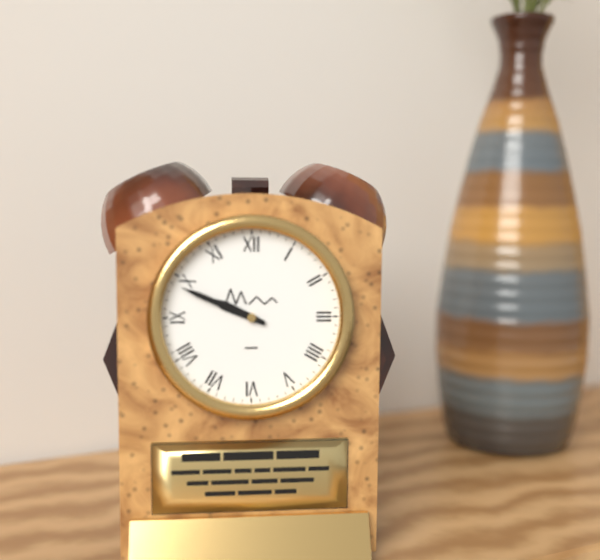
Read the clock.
9:49
